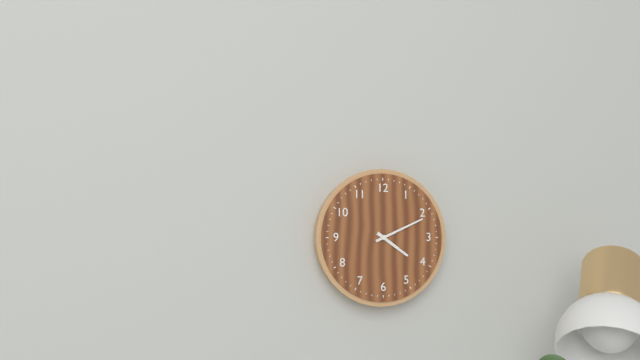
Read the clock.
4:11
